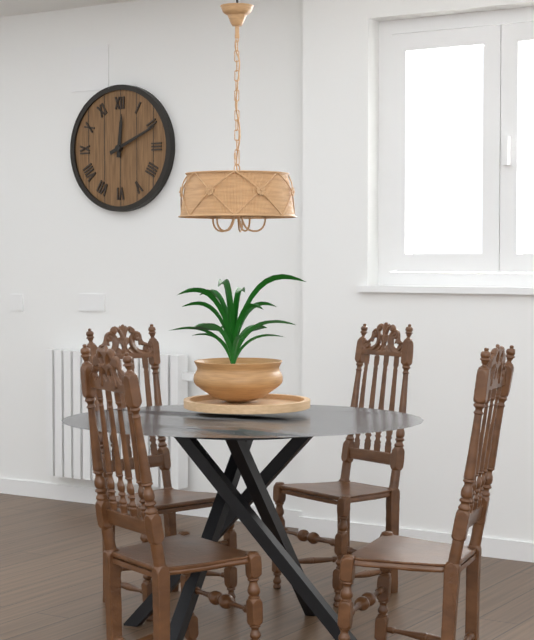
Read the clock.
12:11
